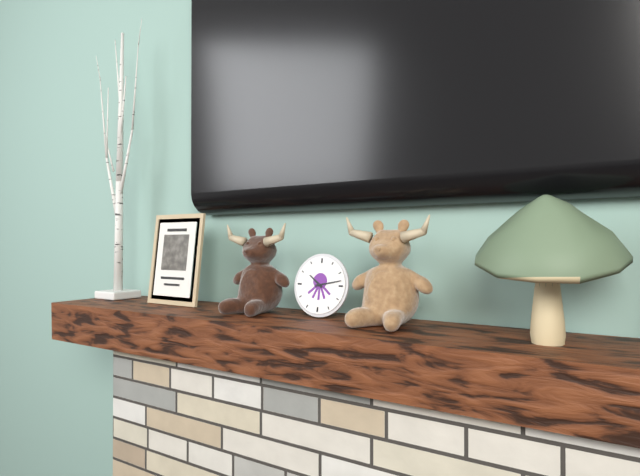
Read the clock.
10:13
